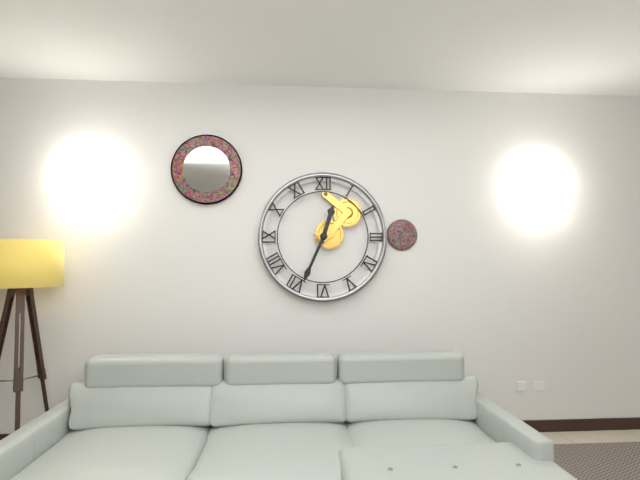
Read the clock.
12:34
